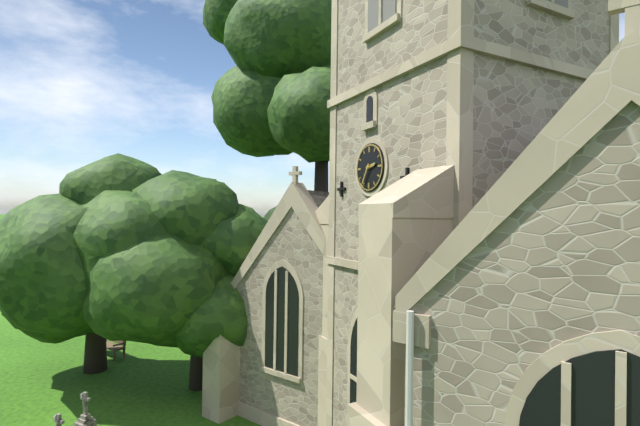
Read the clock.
2:35
